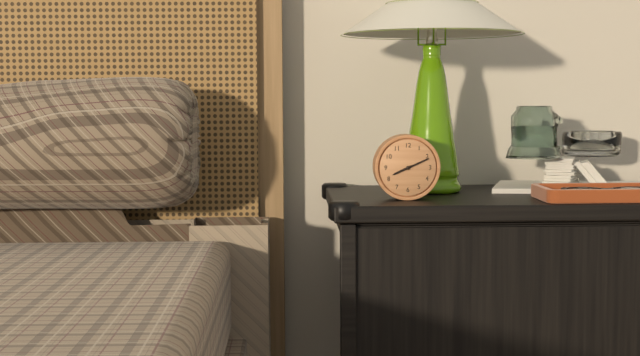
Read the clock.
8:11
